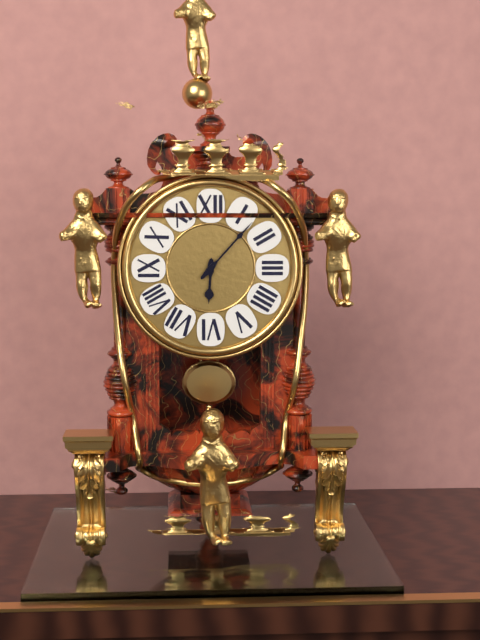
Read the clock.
6:07
